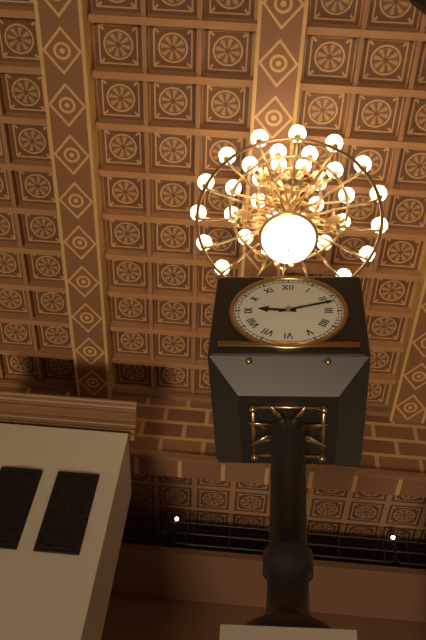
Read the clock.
9:12
